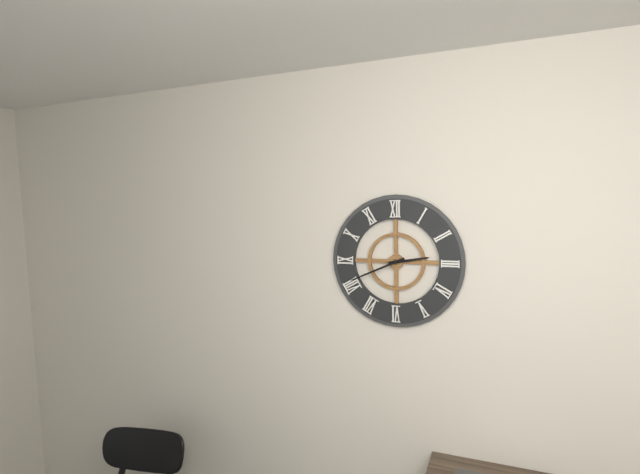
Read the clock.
2:41
